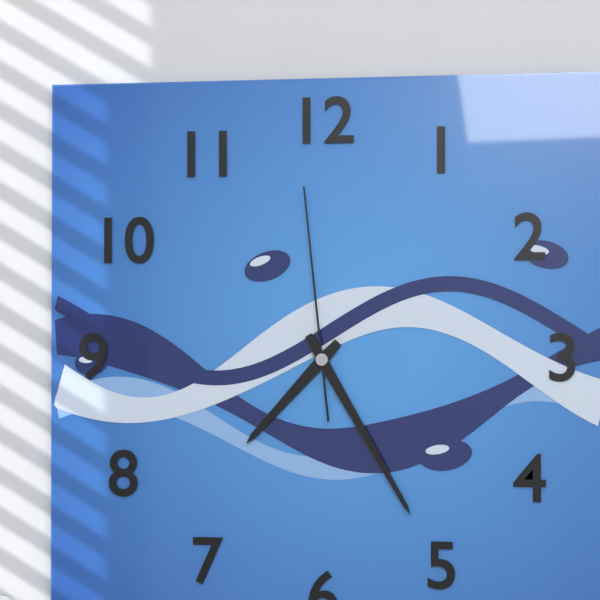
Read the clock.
7:25:59
